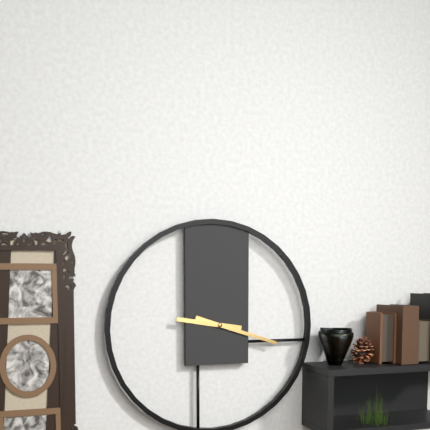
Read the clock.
9:18
